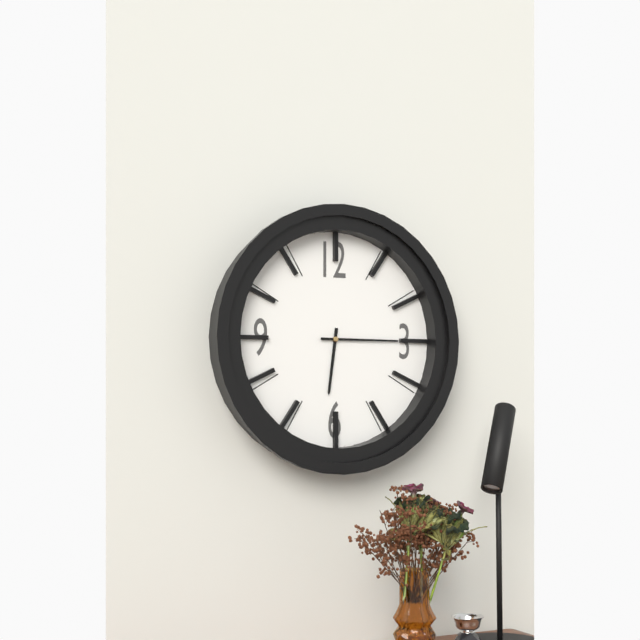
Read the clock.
6:15
